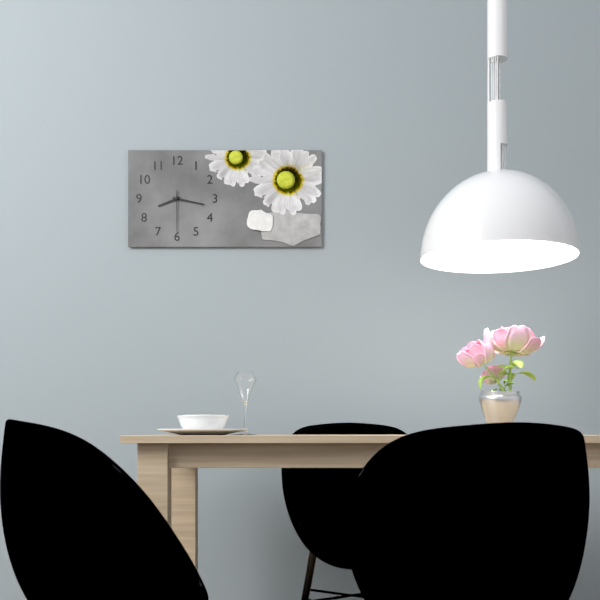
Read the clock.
8:17
